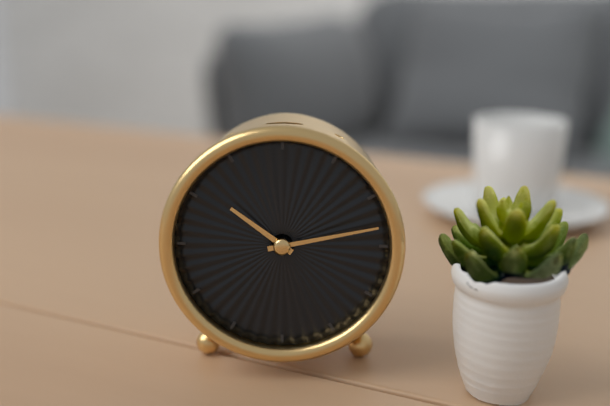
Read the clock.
10:13
